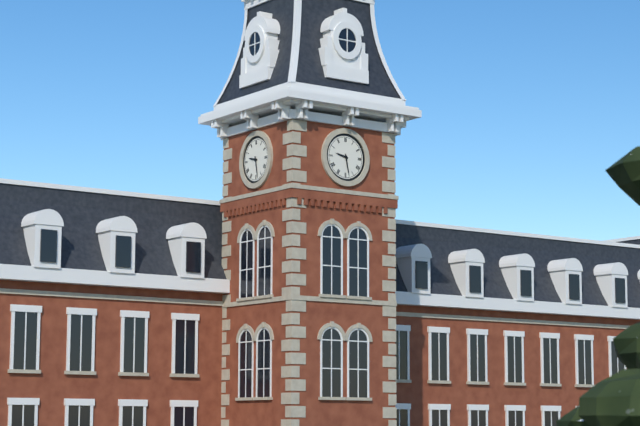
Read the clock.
9:28
